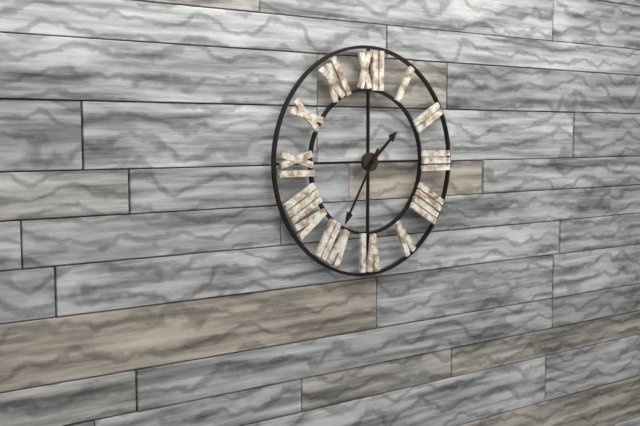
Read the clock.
1:35
